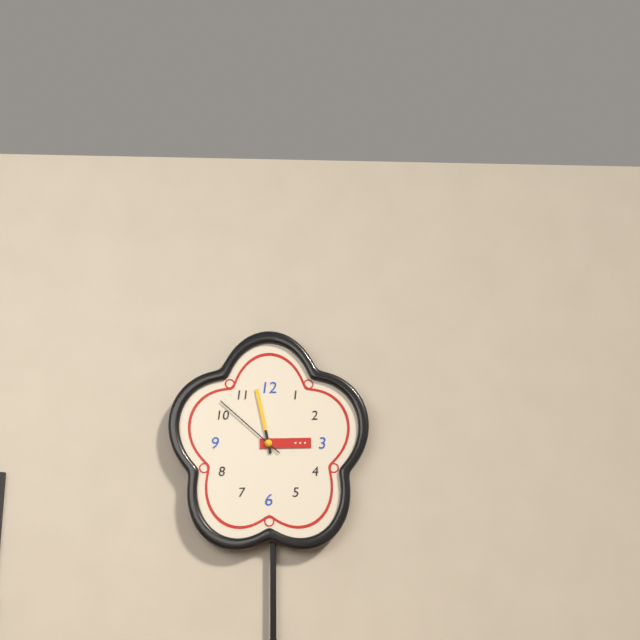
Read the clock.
2:58:52
